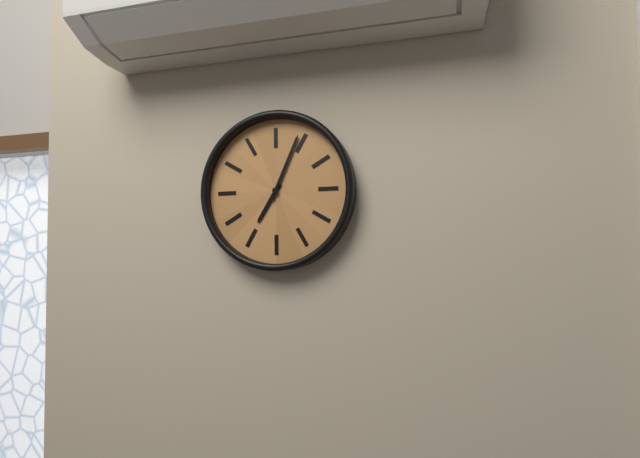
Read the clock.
7:04
